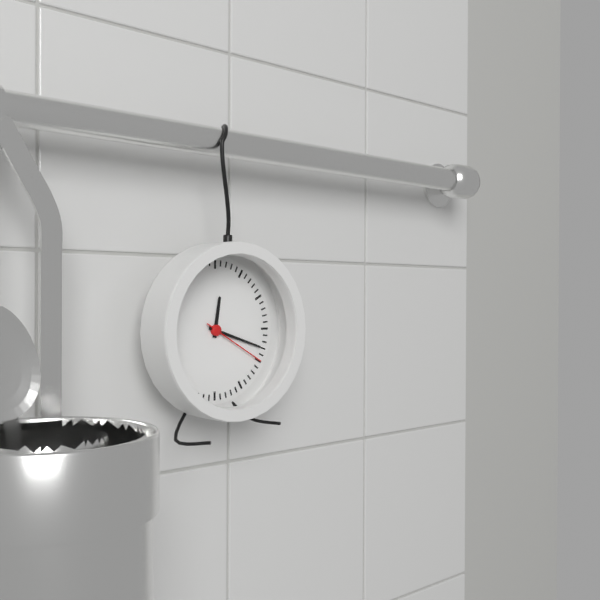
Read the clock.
12:18:20
